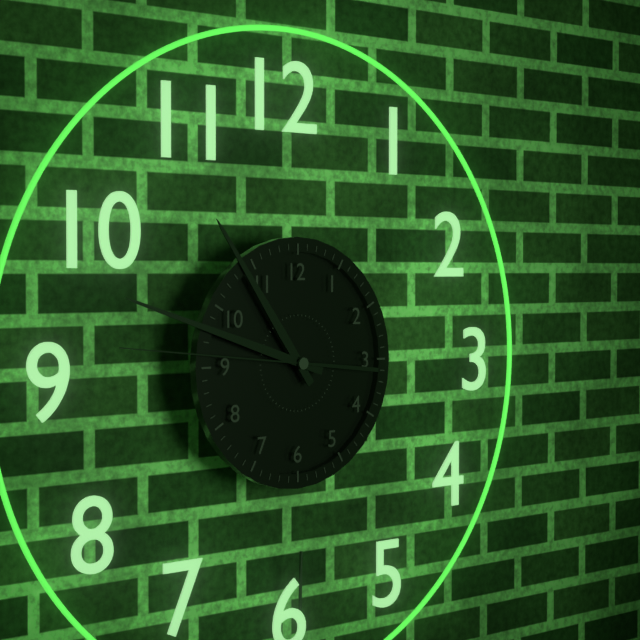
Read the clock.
10:48:46
